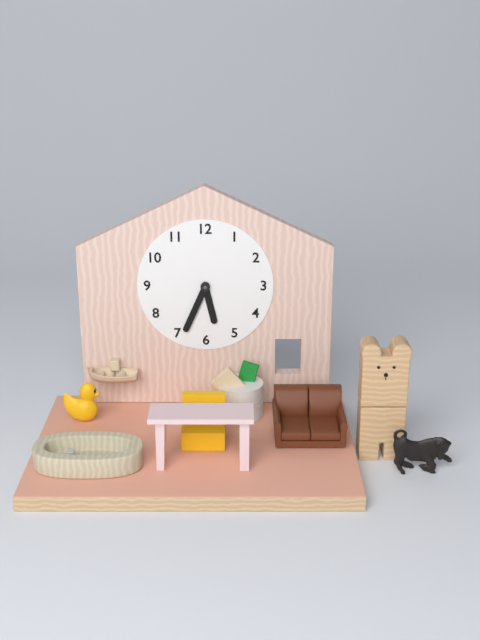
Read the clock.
5:34
